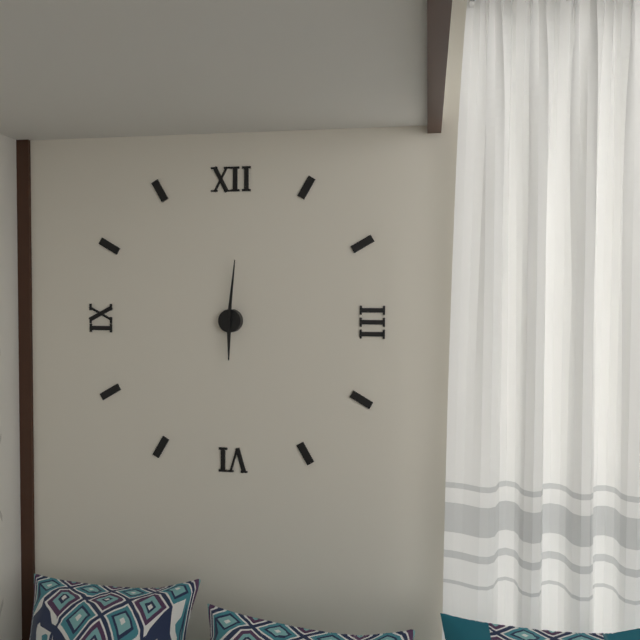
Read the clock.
6:01
